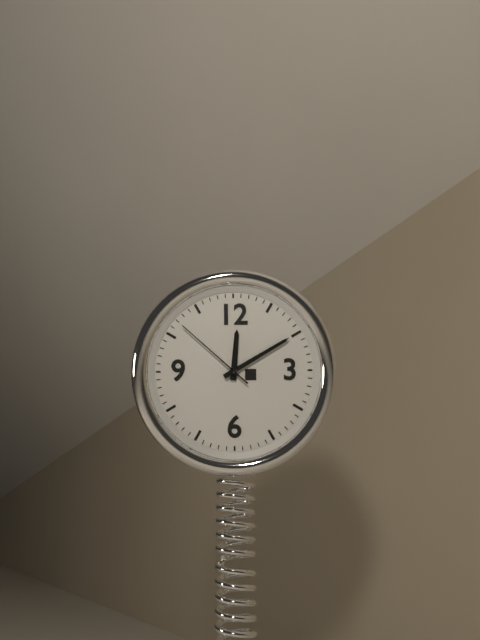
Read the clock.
12:10:52
